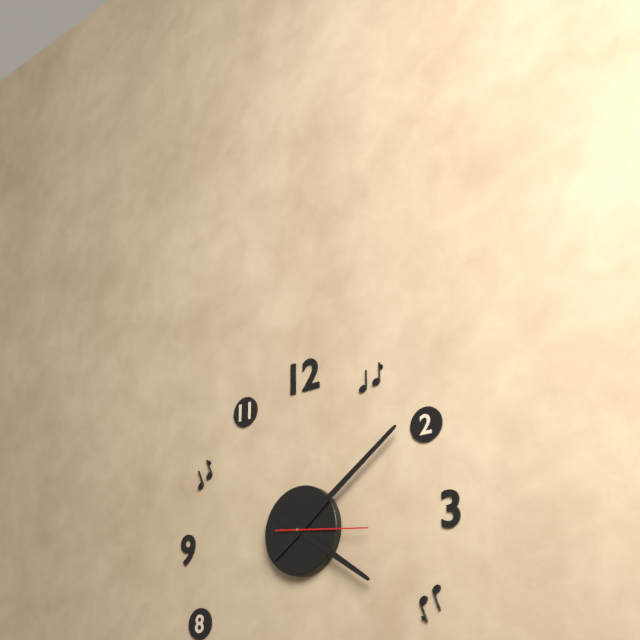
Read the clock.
4:09:16
